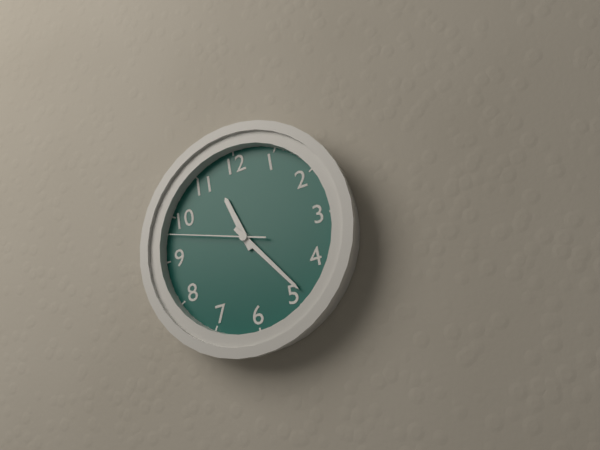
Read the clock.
11:24:48
